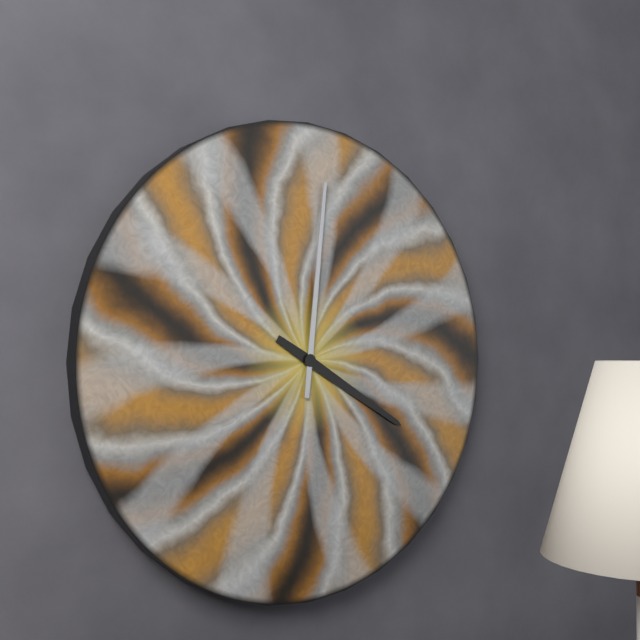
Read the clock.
4:01
